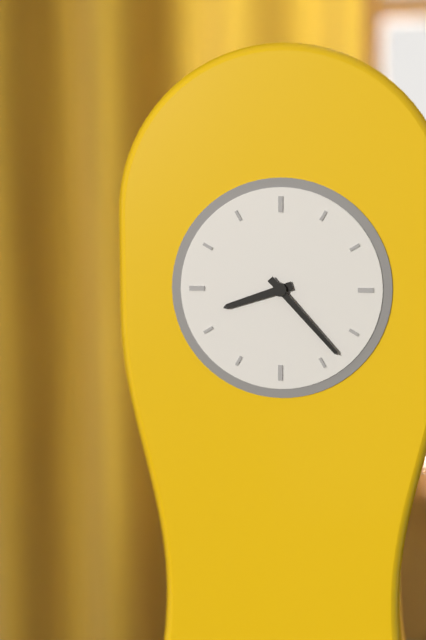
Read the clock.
8:23
